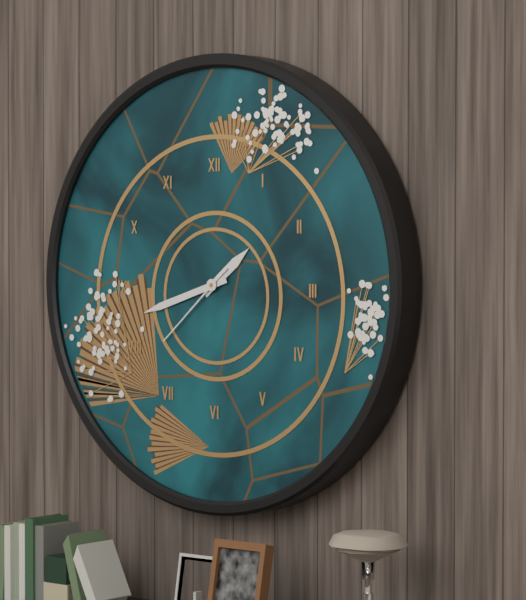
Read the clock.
1:42:38
